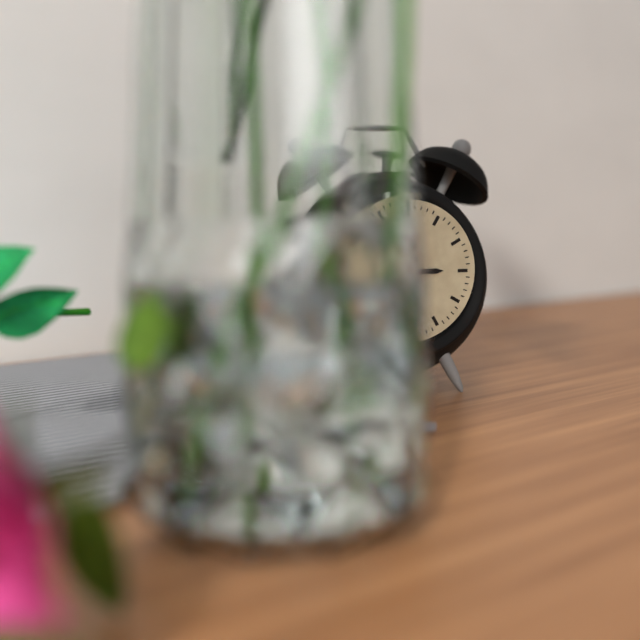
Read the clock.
2:59
